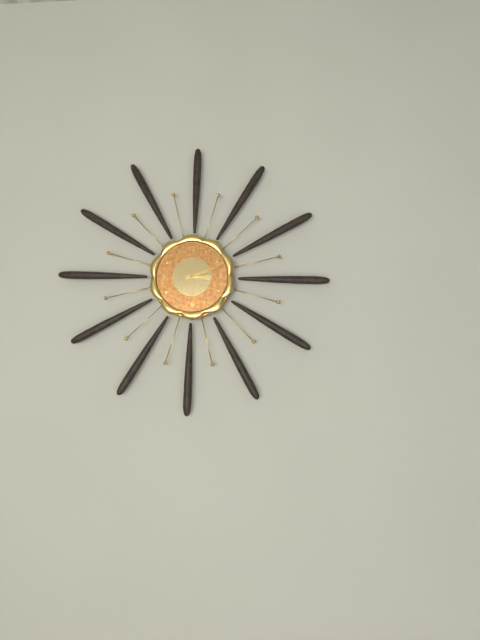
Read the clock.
3:12
